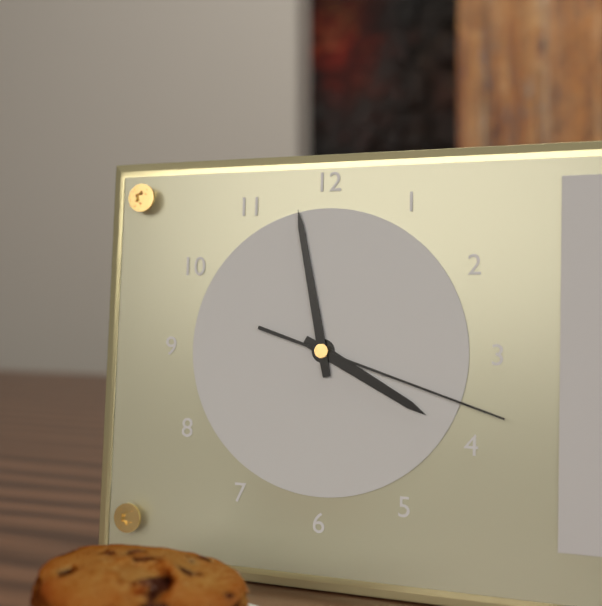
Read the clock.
3:58:18
